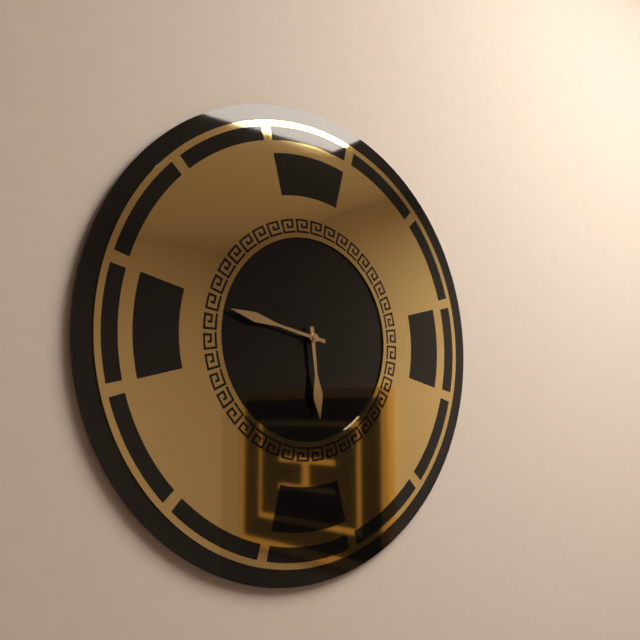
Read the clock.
5:47
